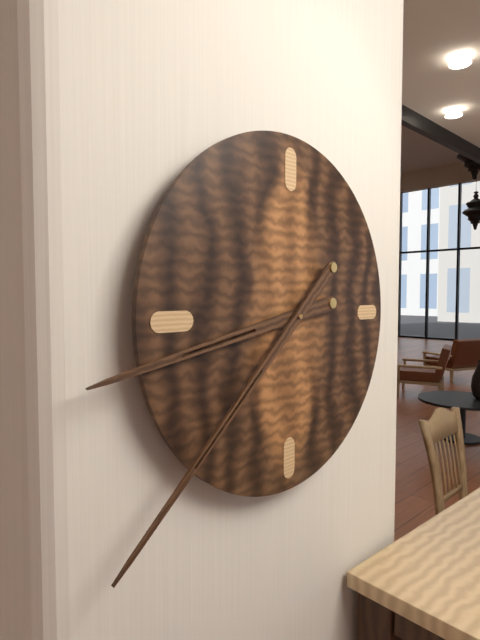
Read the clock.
8:38
